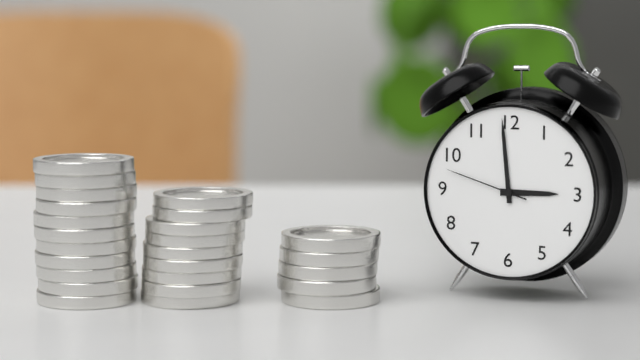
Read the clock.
2:59:48
